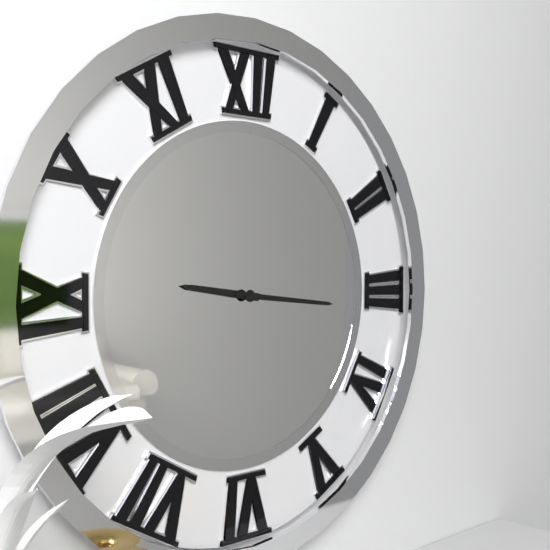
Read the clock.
9:16
